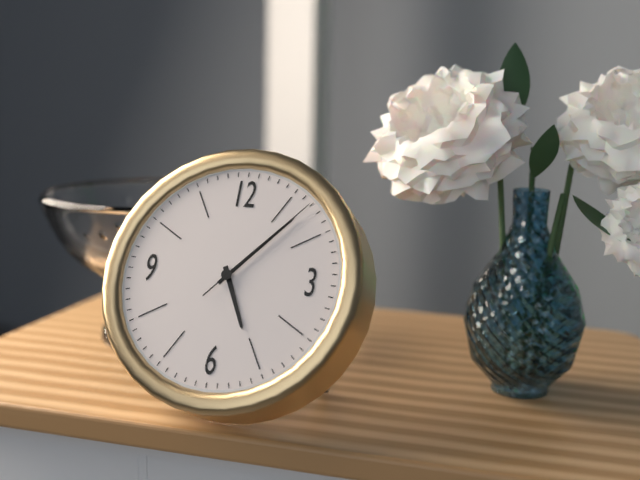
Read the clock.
5:07:07
